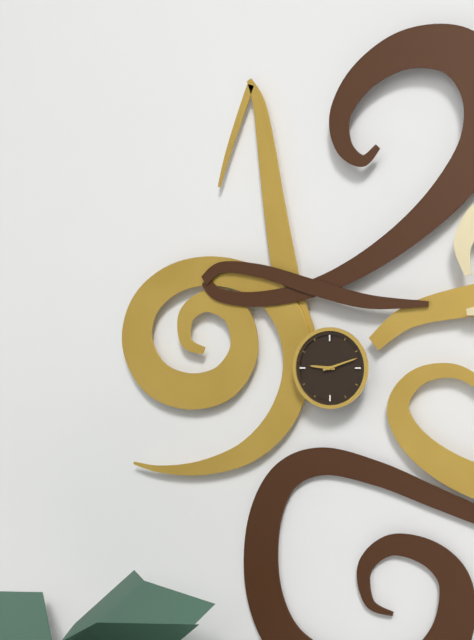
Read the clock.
9:12
